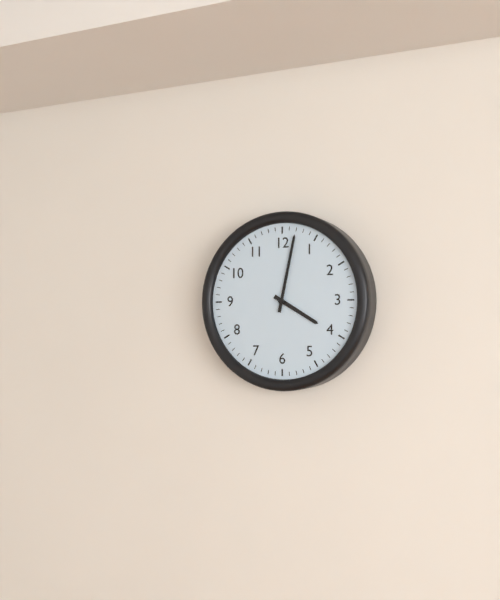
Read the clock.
4:02
